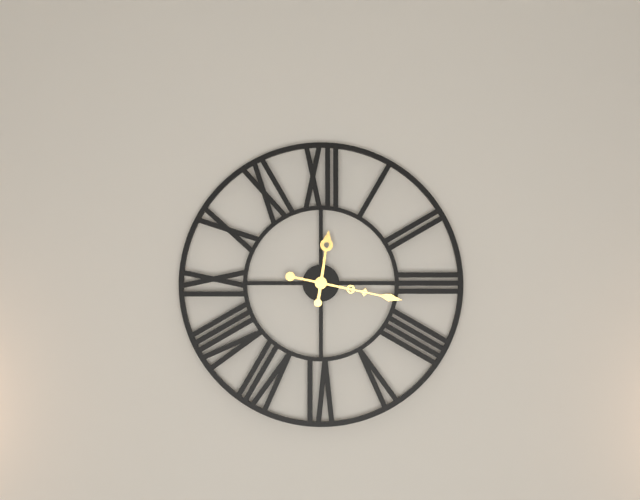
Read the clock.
12:17
